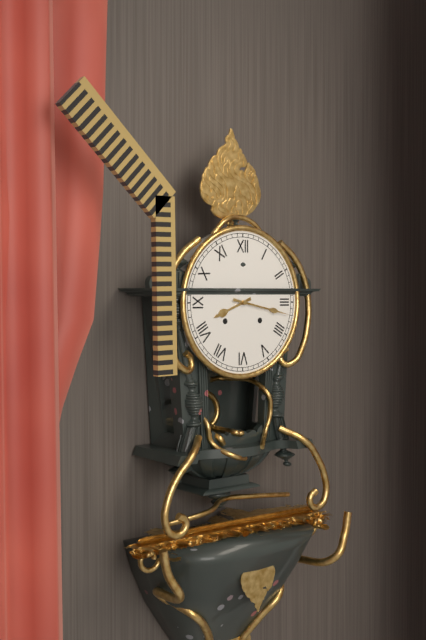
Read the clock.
8:17
